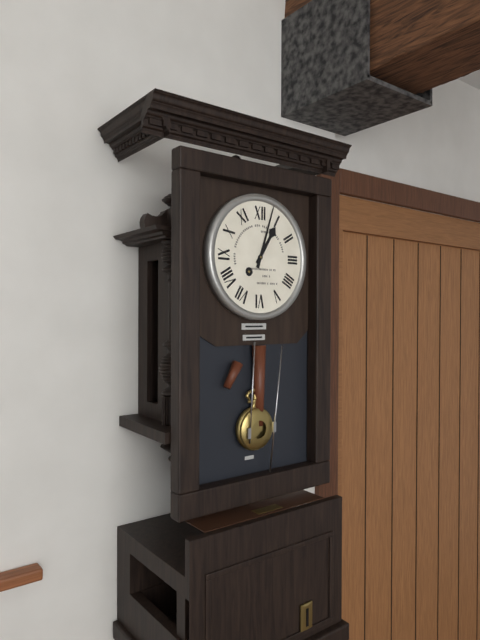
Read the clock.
1:03
